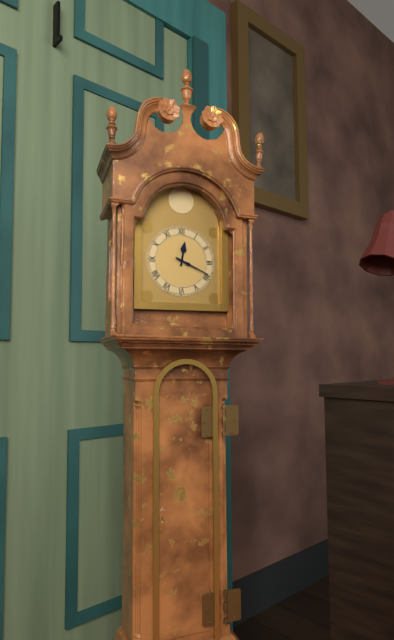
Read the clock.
12:19
